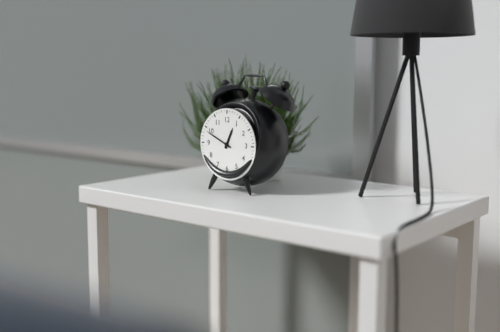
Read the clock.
12:49
